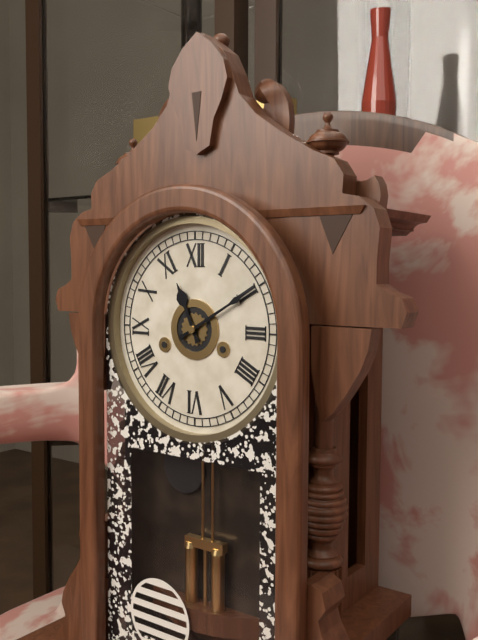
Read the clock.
11:10
